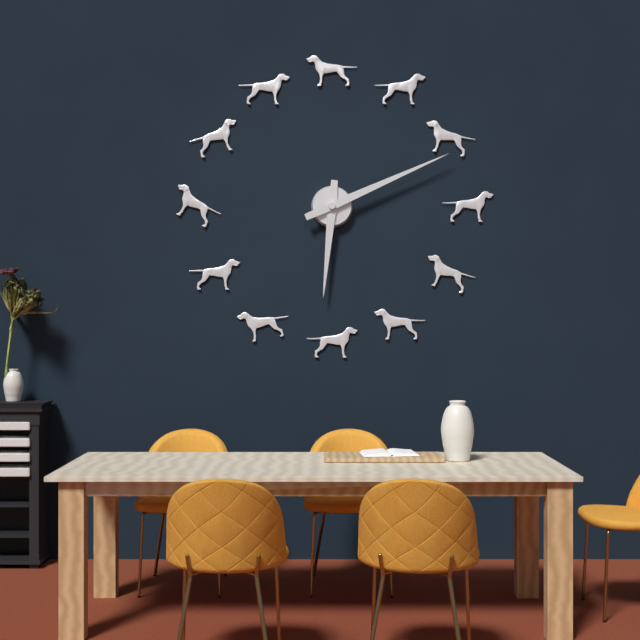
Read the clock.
6:11
